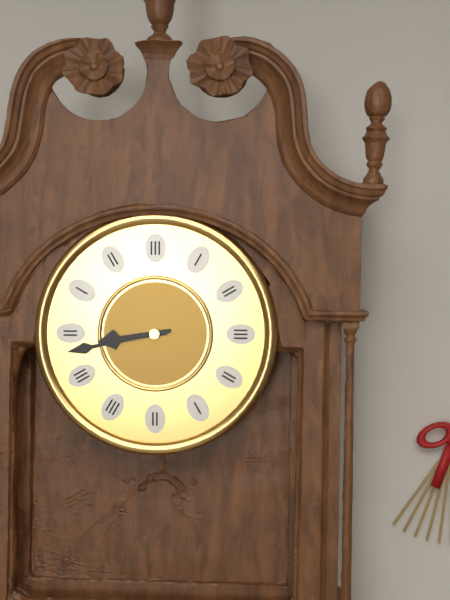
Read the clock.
8:43
